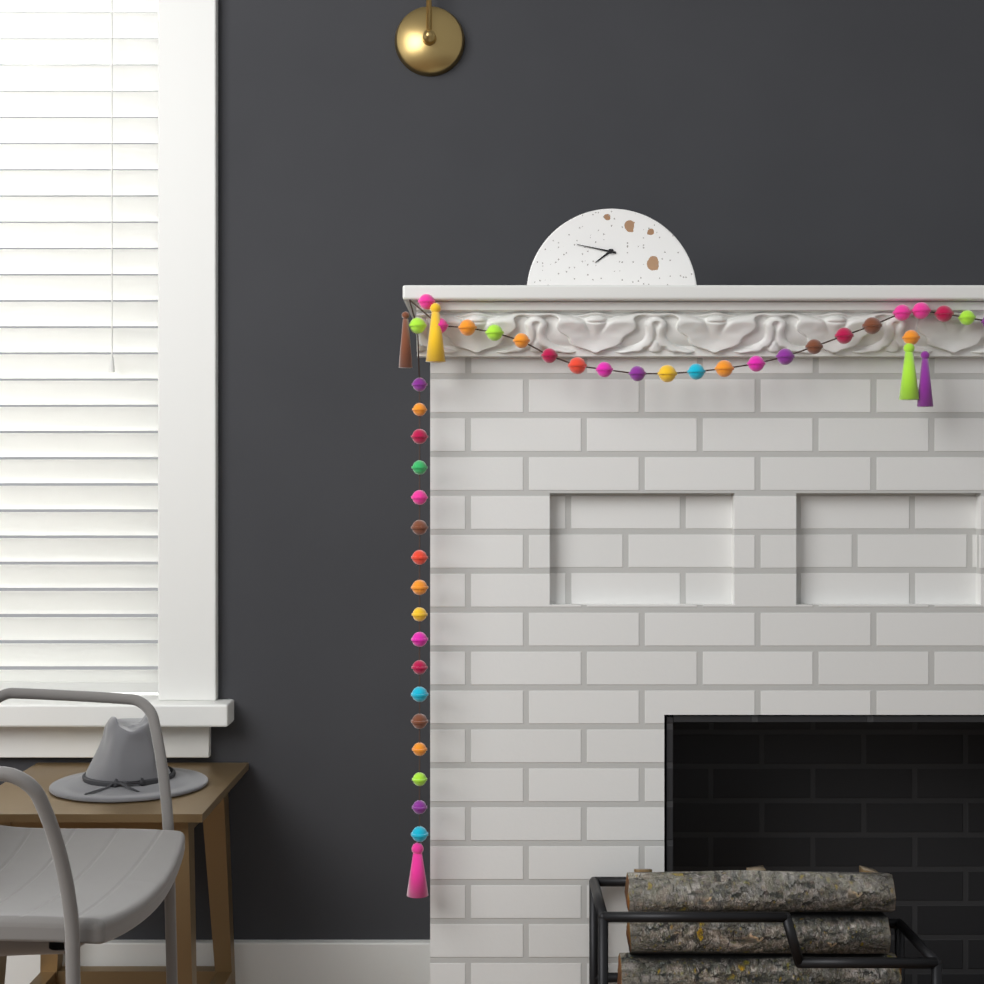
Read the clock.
7:47
